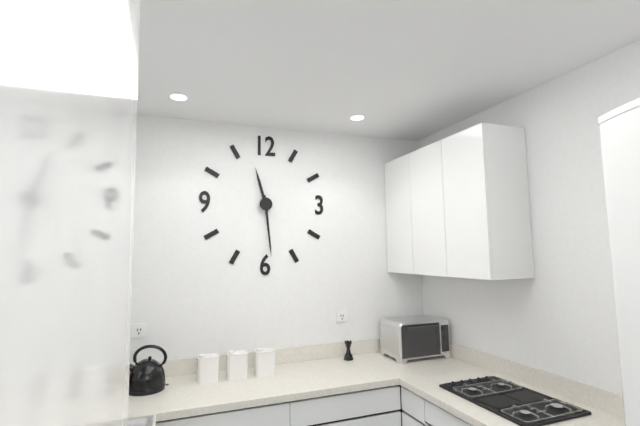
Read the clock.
11:29
